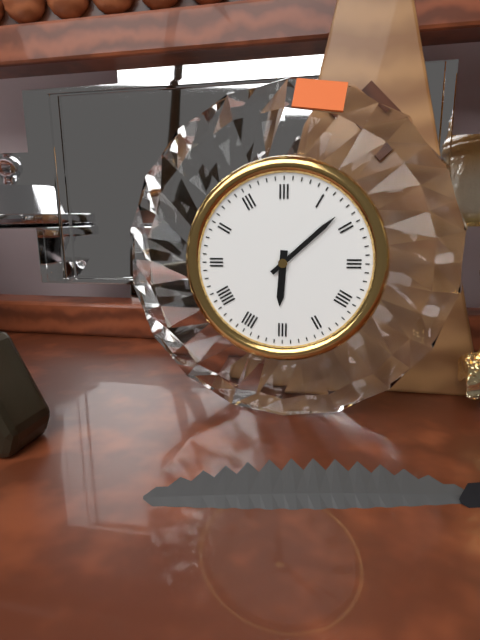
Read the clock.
6:08
